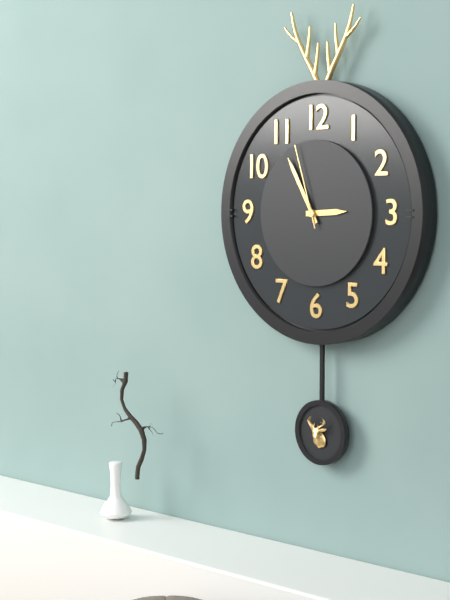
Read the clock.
2:55:57
